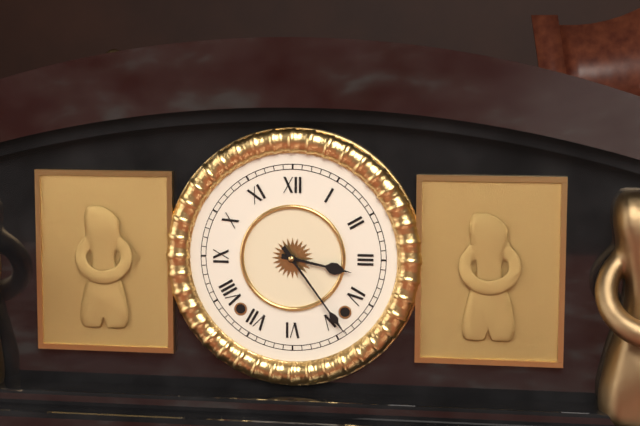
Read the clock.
3:24
